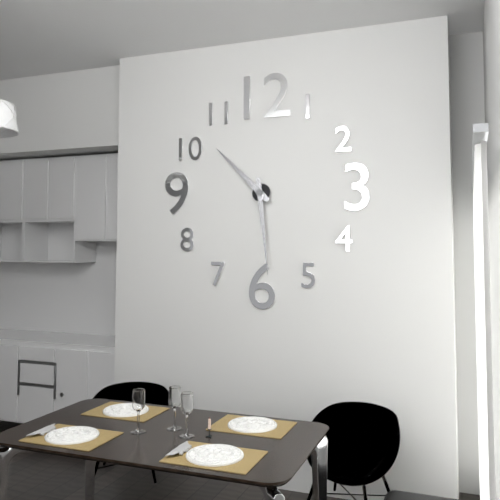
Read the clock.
10:29
